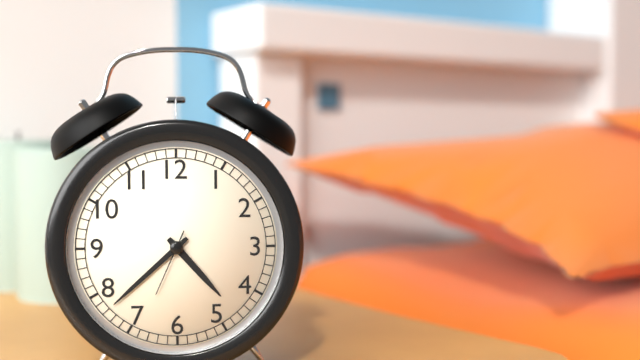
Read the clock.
4:38:34
